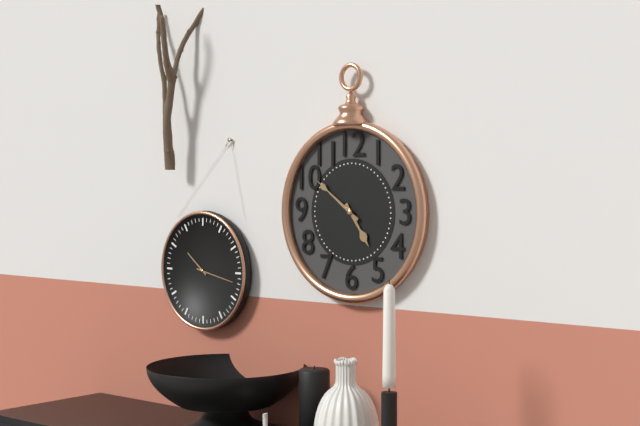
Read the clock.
4:51
